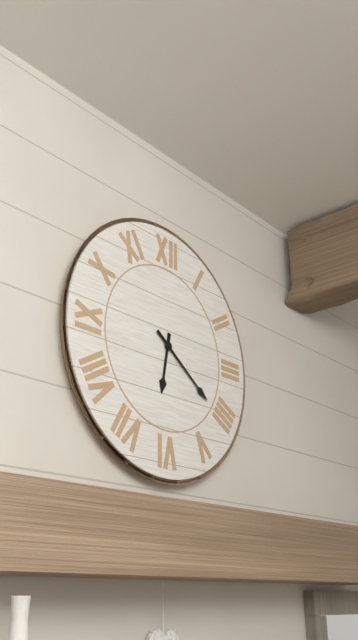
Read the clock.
6:21
